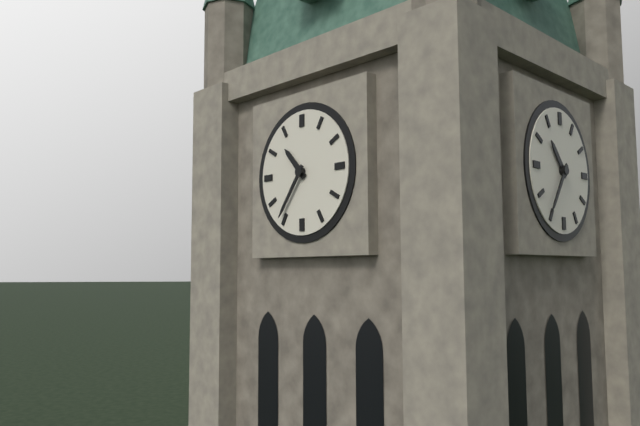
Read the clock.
10:36
